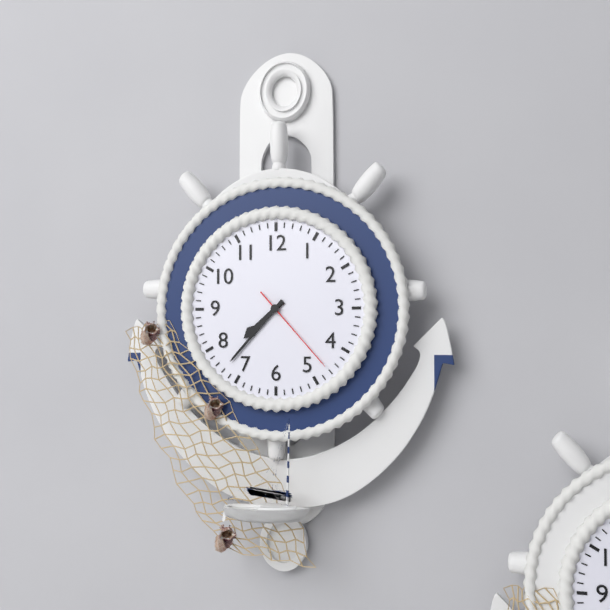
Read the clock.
7:37:23
